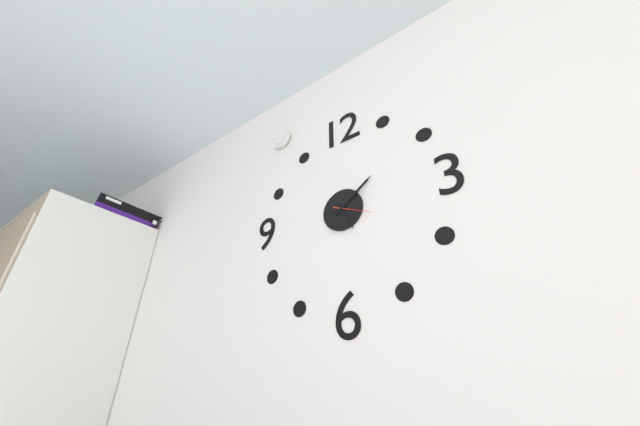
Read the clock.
5:09
